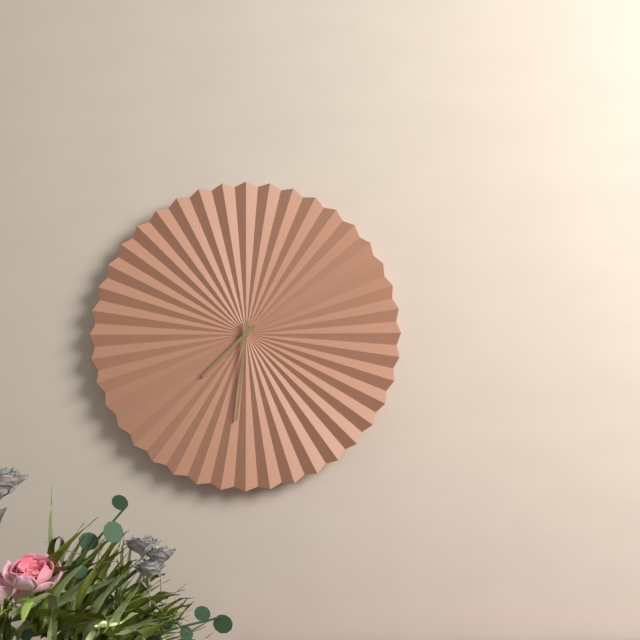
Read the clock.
7:31
